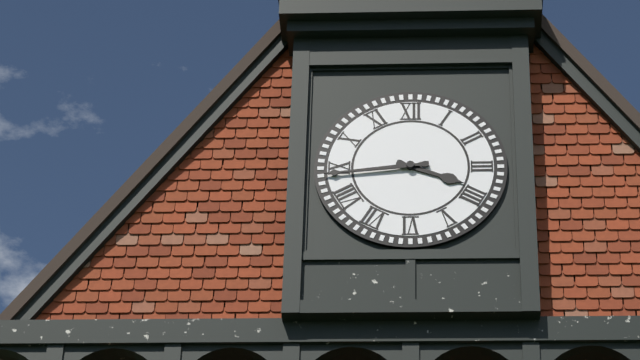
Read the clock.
3:44
